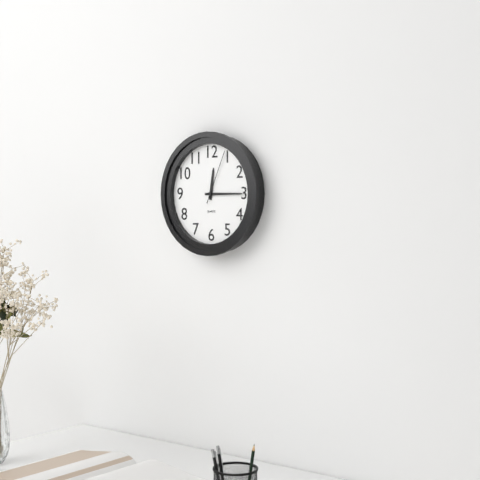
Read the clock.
12:15:04
